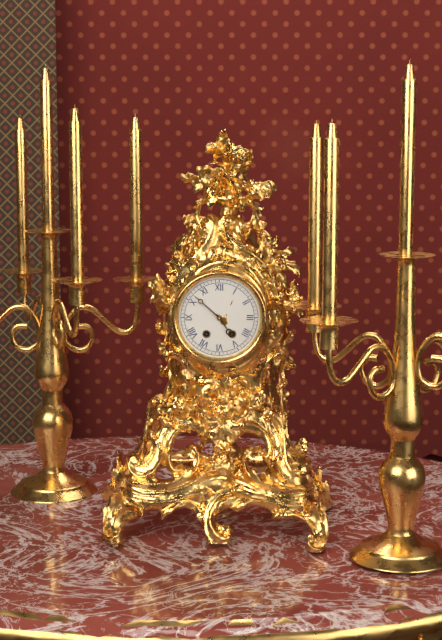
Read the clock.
4:52
